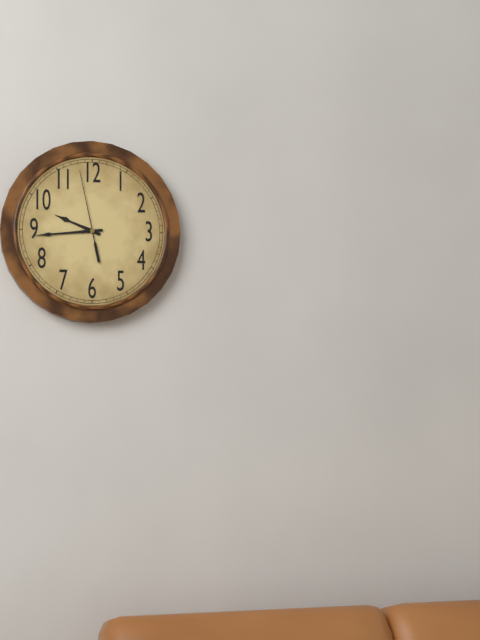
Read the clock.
9:44:58
